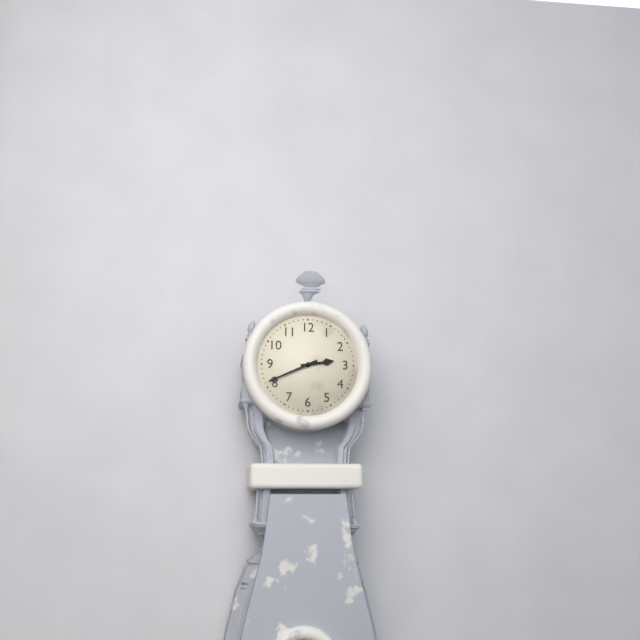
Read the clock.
2:41
